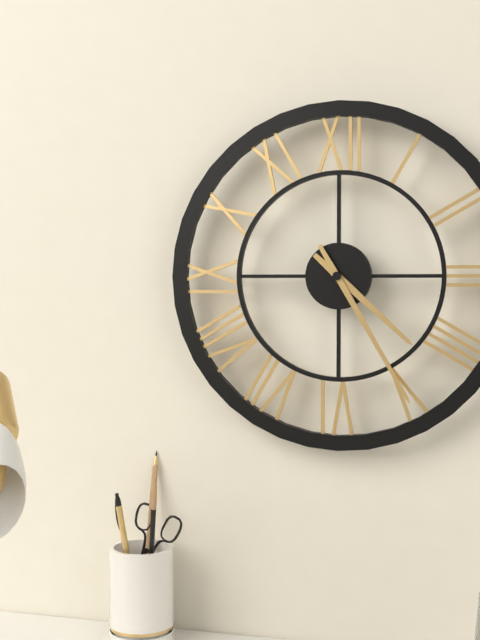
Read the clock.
4:25
